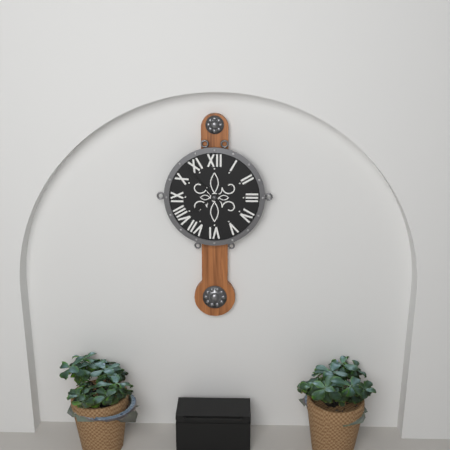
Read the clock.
7:53
